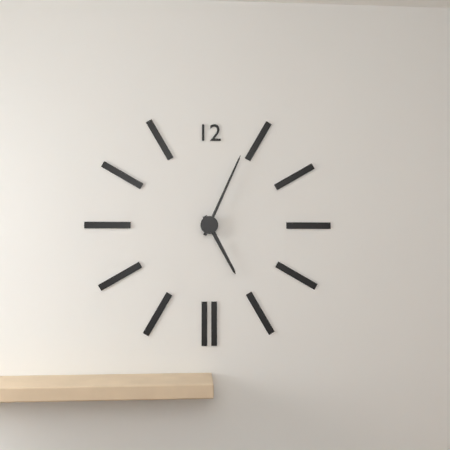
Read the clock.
5:04
